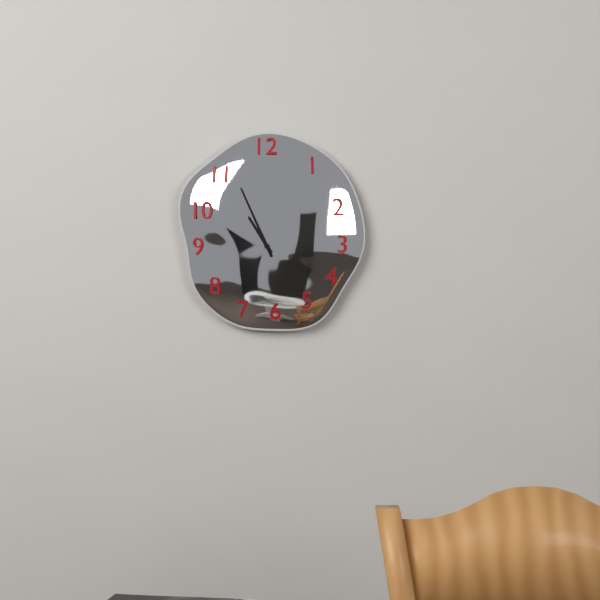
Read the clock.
10:56
